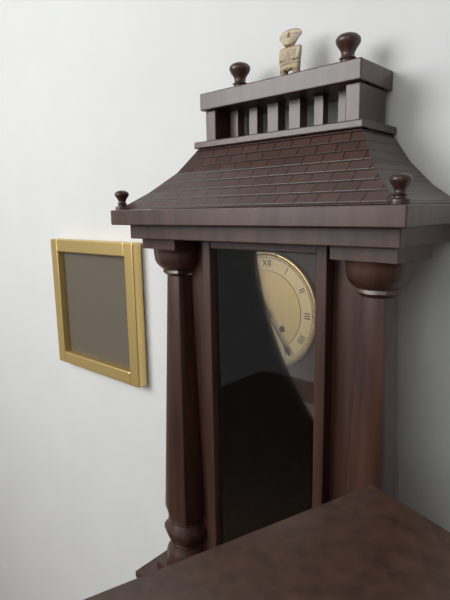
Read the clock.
10:24
